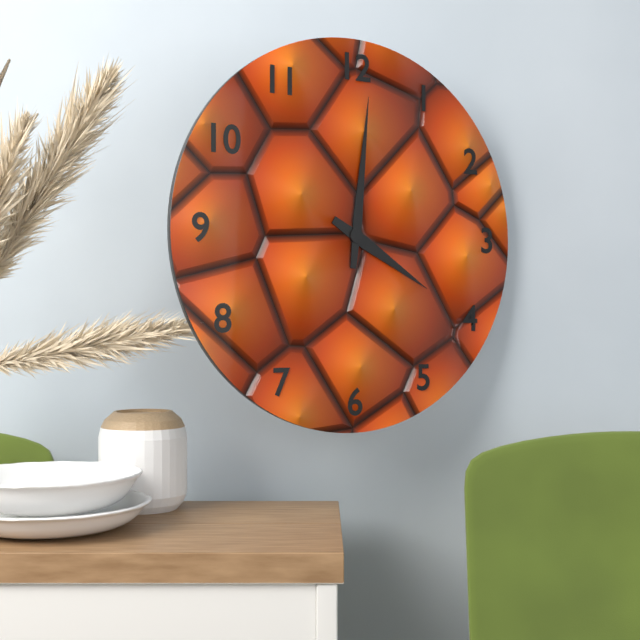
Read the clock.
4:01
